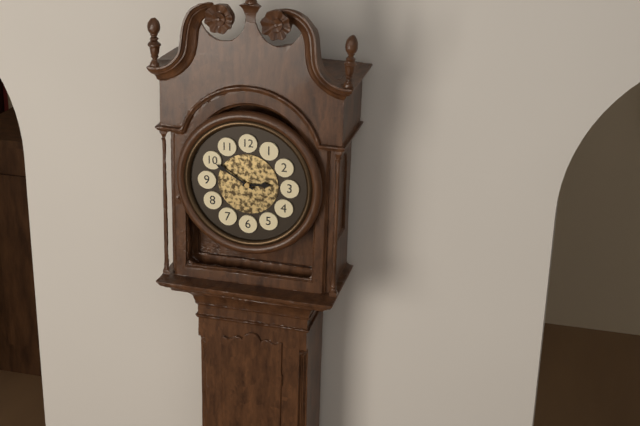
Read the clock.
2:50
